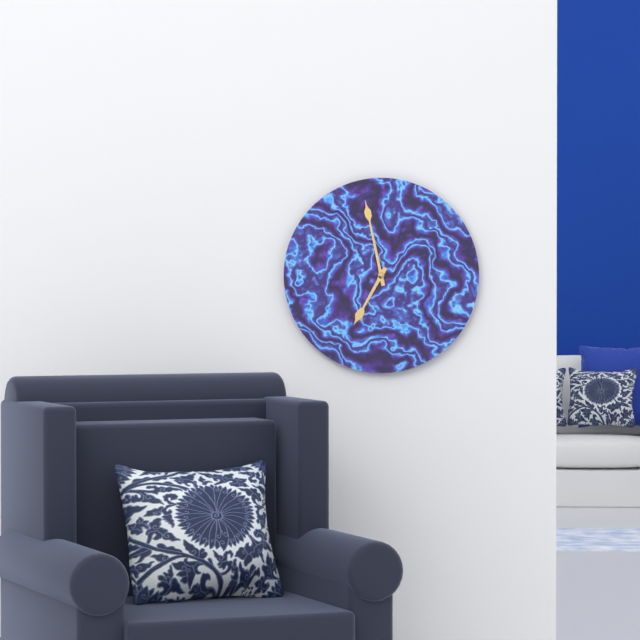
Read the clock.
6:58
